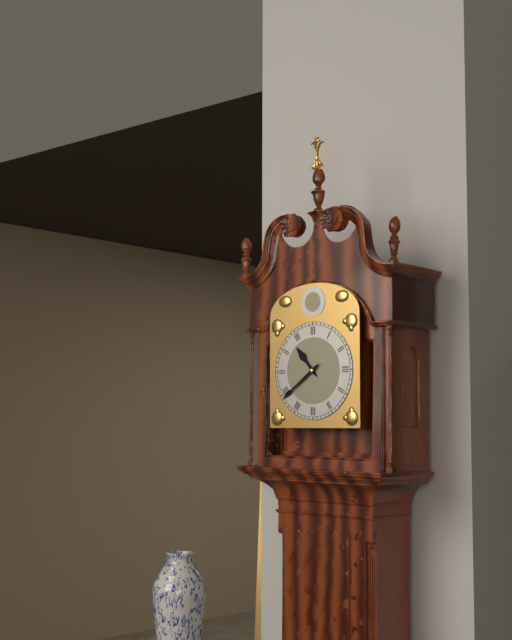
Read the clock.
10:39
